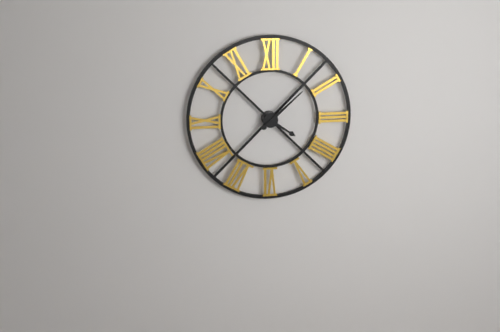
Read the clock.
4:08
